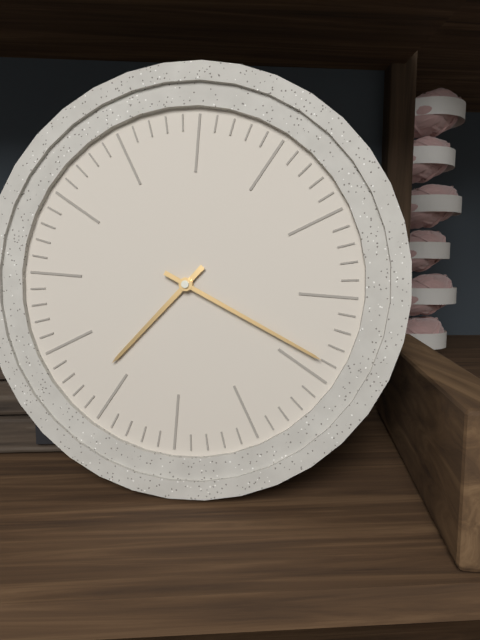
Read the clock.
7:19
